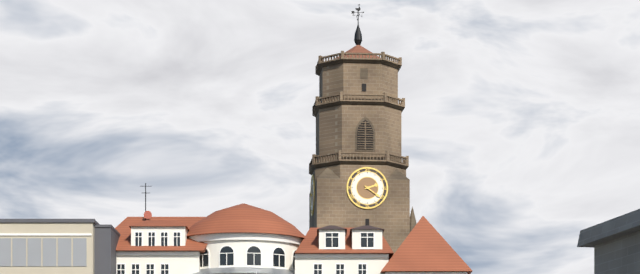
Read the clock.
2:21
